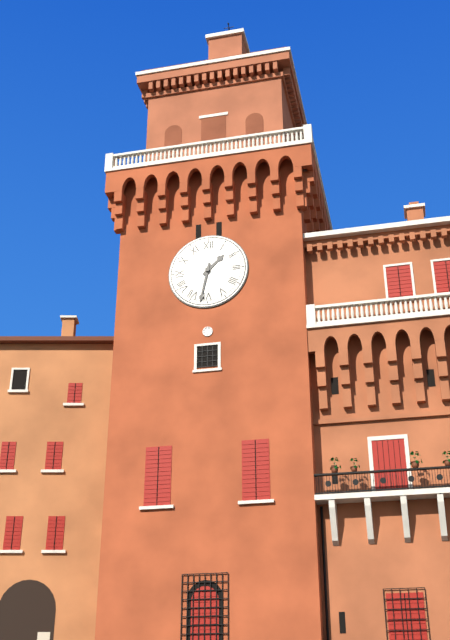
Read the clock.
1:32
